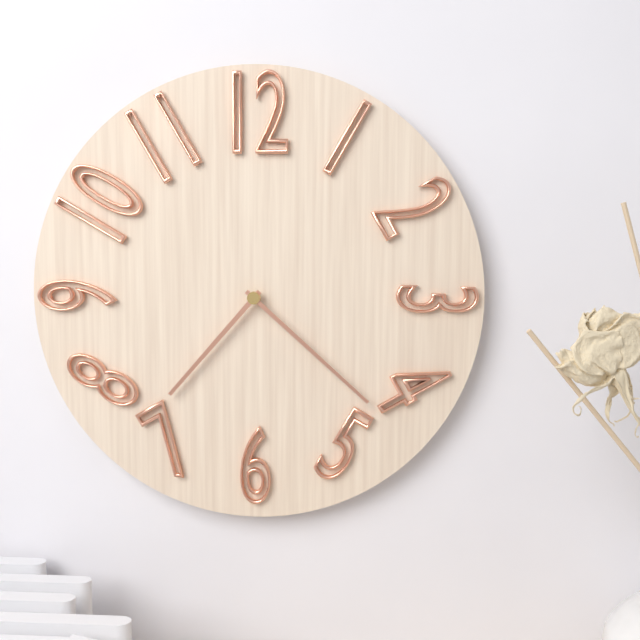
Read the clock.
7:22
